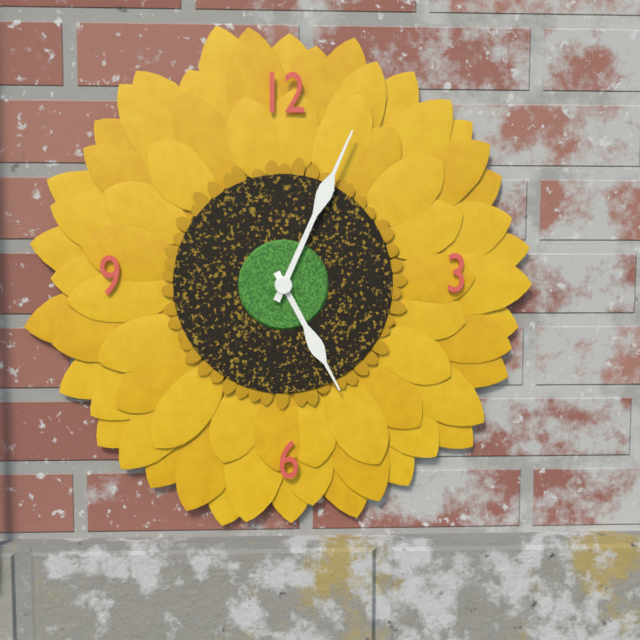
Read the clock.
5:04
